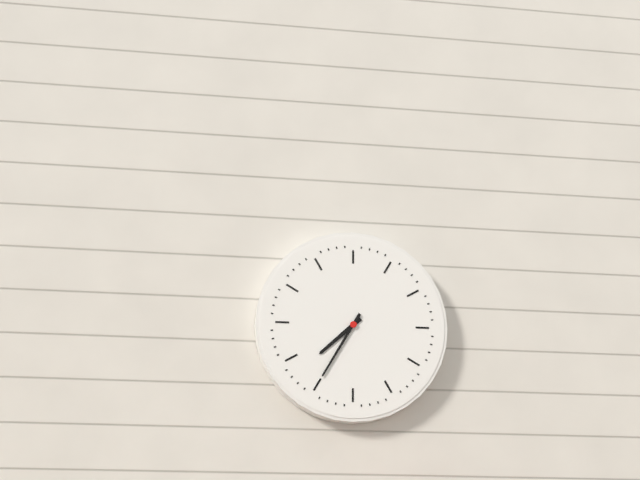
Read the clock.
7:35
